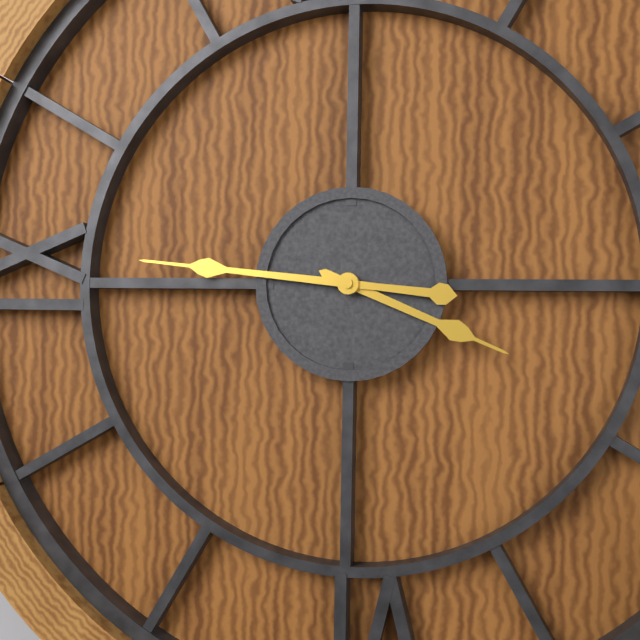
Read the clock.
3:46
